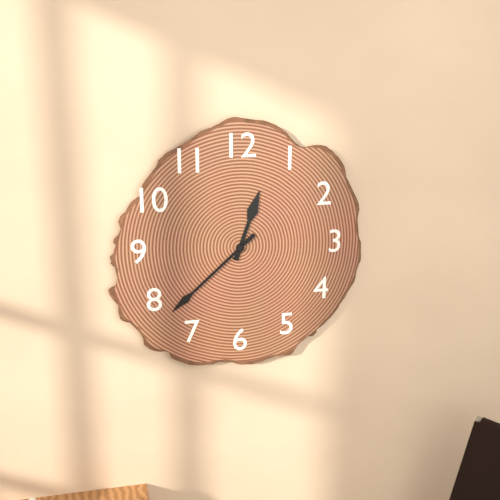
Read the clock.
12:38
